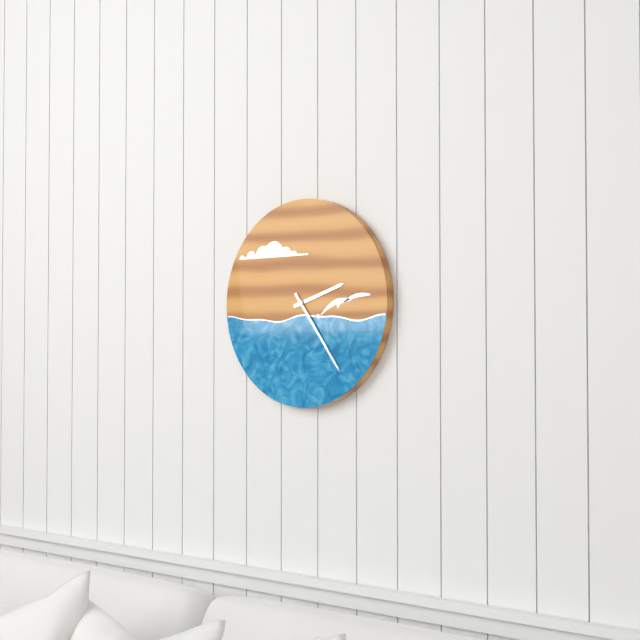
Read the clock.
2:24
